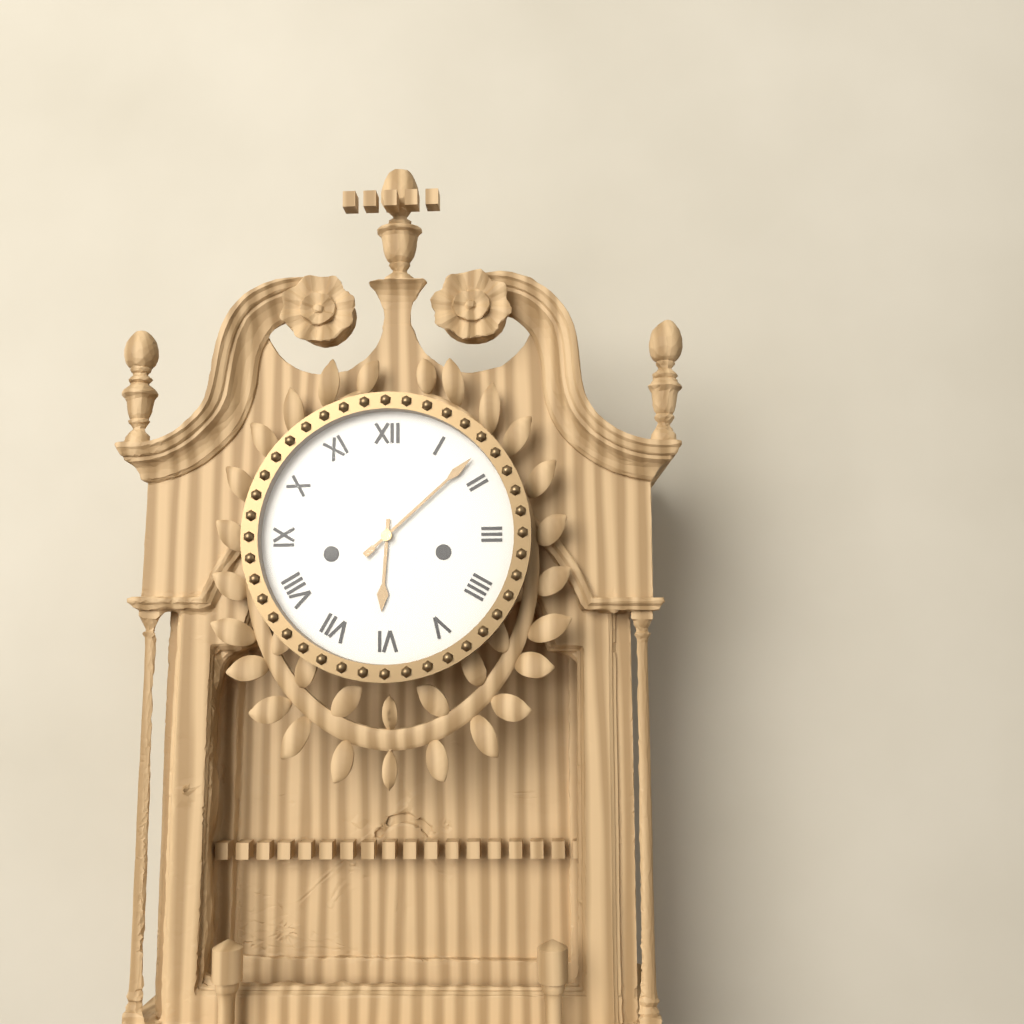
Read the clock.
6:08
